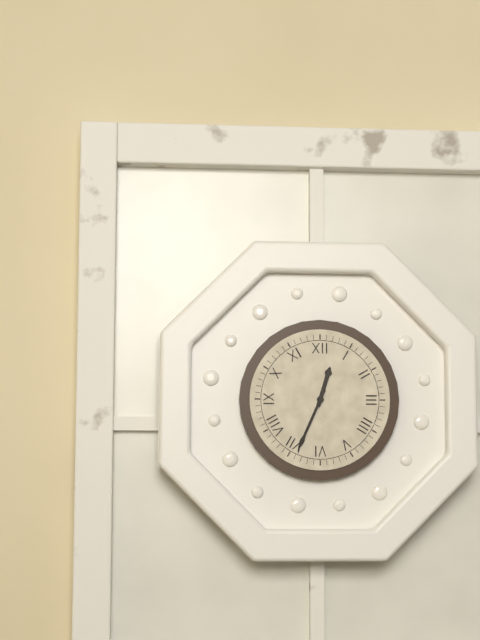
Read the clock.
12:34
